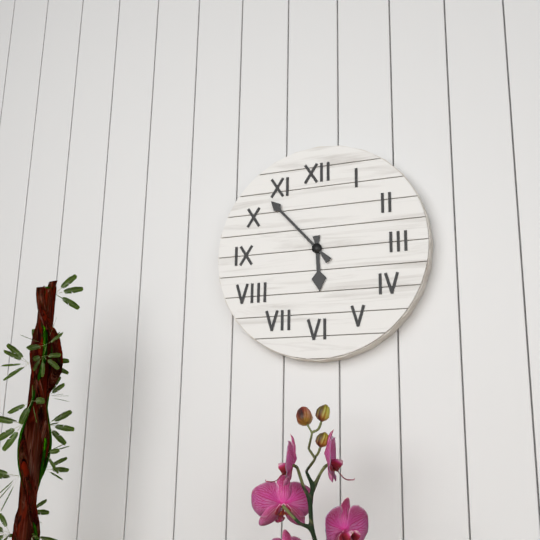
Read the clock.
5:53
